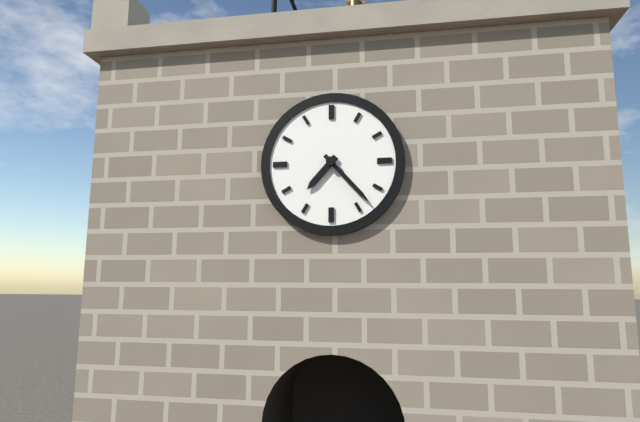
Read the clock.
7:23
